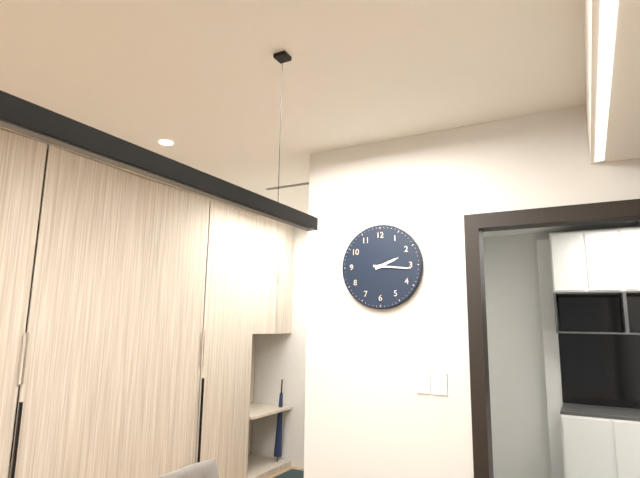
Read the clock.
2:16
